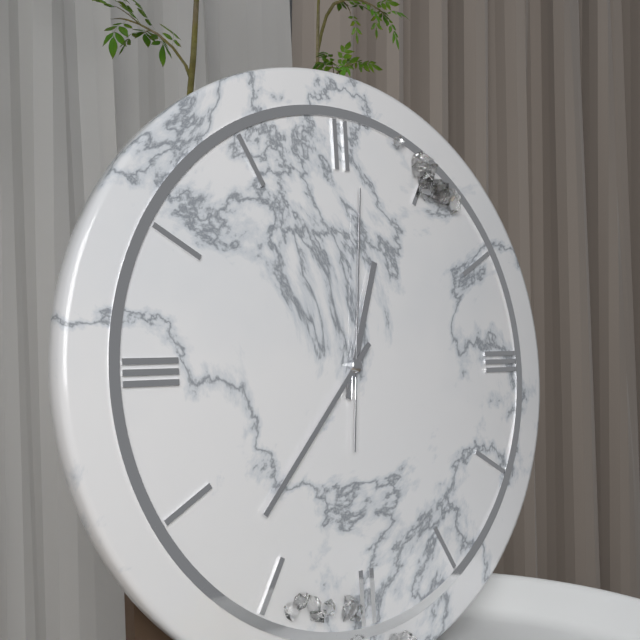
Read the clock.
12:37:01
